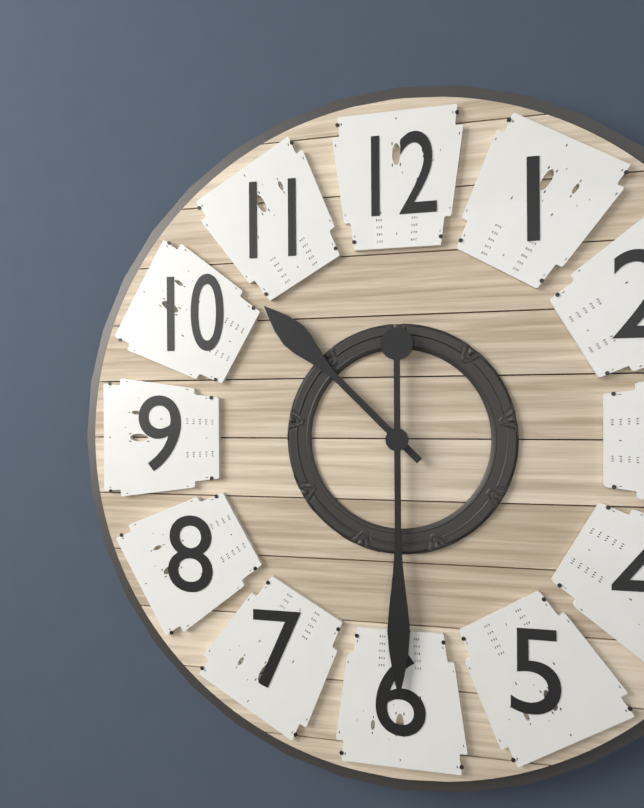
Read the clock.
10:30
